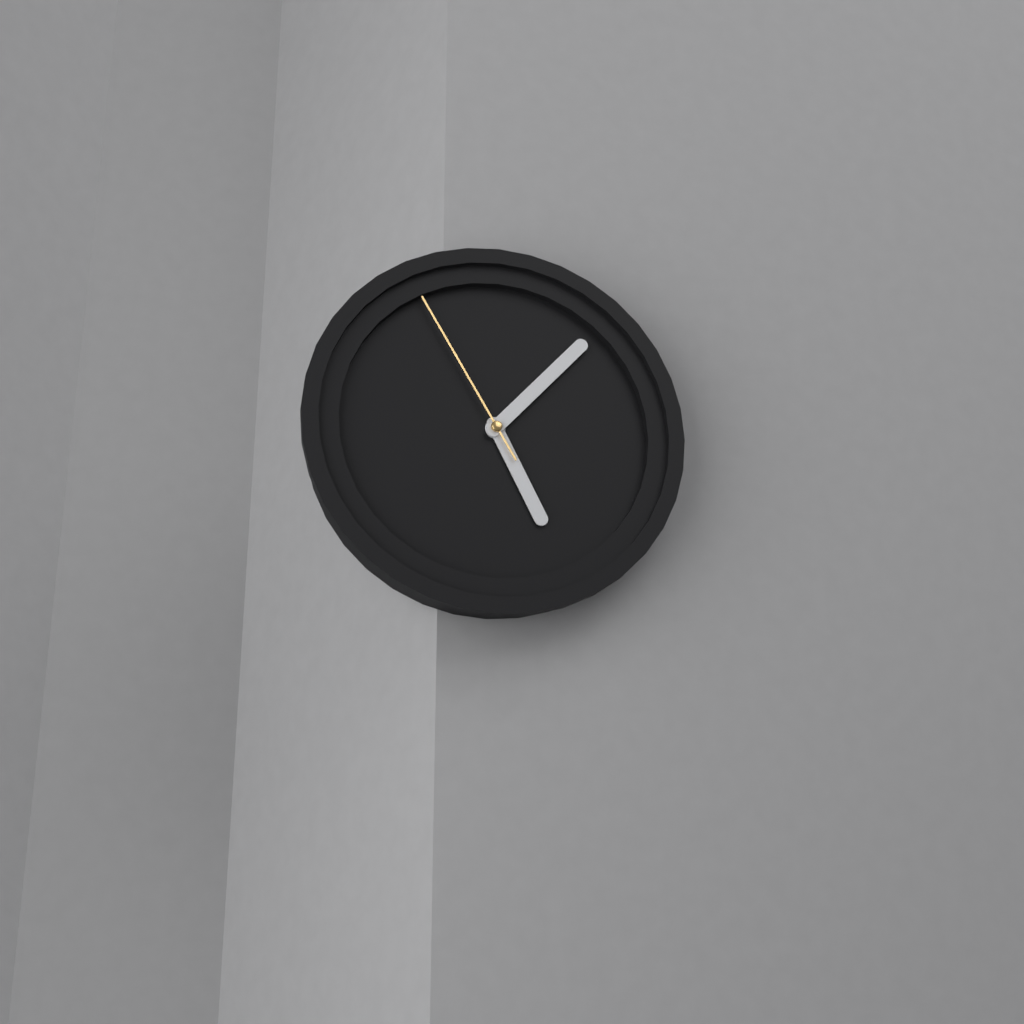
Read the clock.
5:07:55
